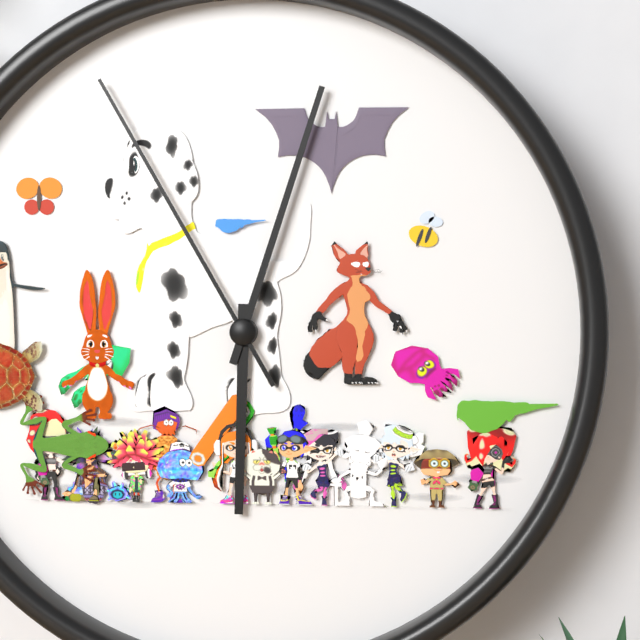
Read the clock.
6:03:55
